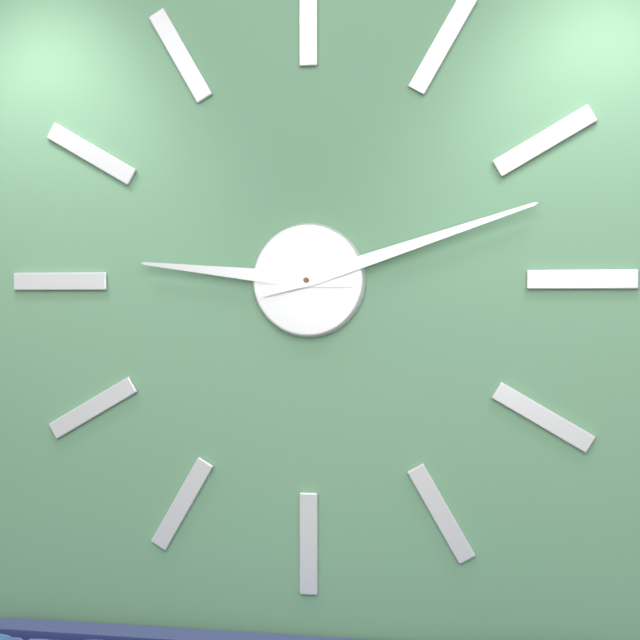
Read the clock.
9:12
